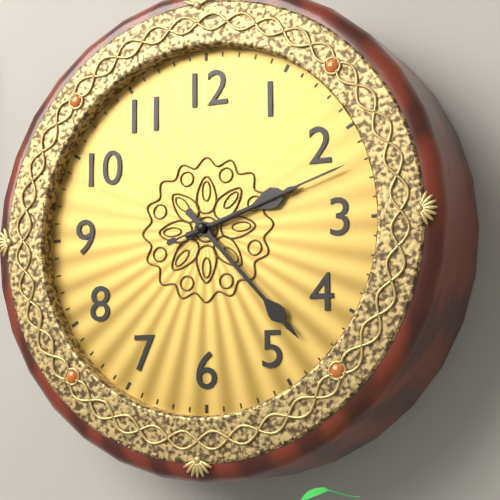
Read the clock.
2:23:12
